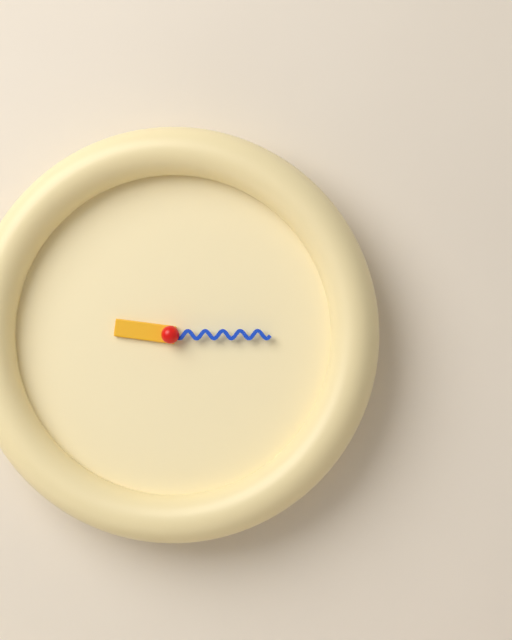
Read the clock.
9:15
